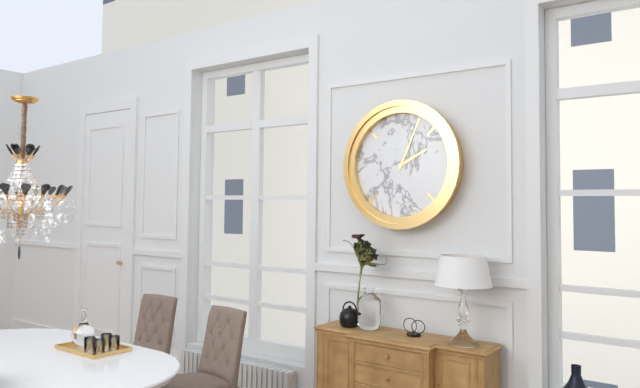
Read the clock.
2:04
